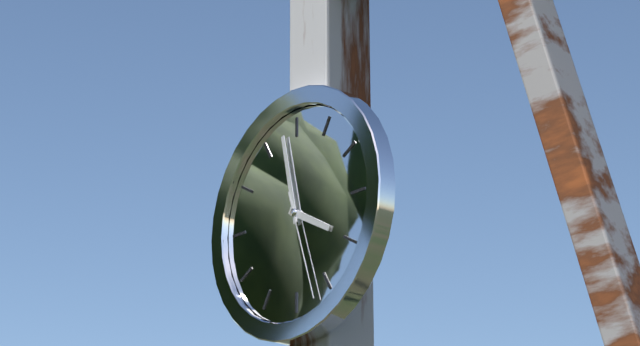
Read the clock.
3:58:27
